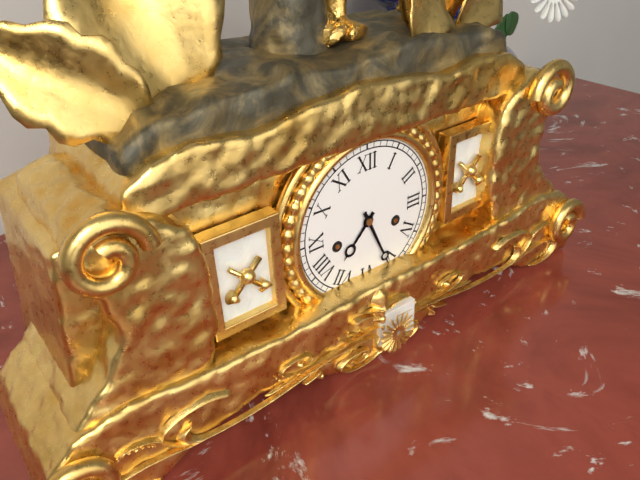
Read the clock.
7:26
